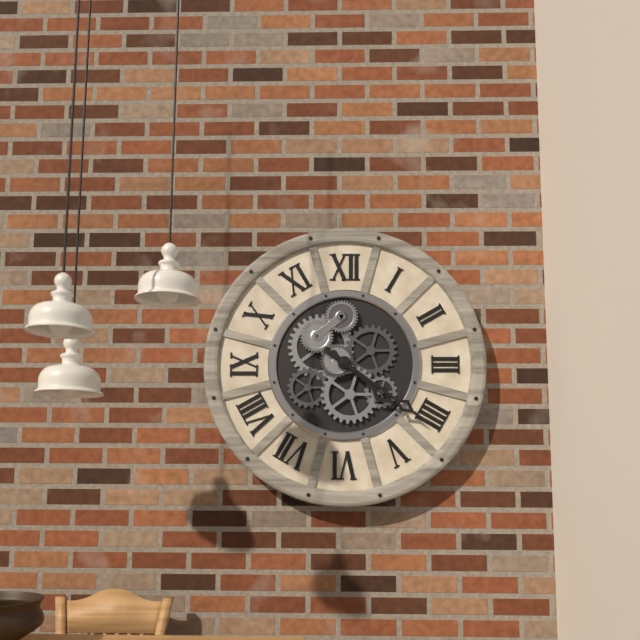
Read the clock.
4:21
